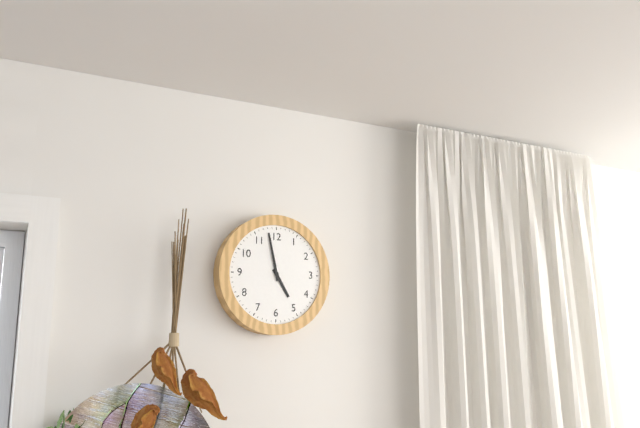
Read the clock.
4:58
